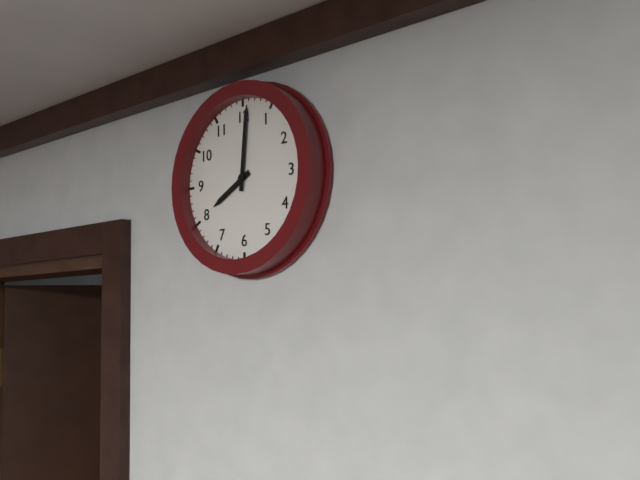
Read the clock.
8:01
